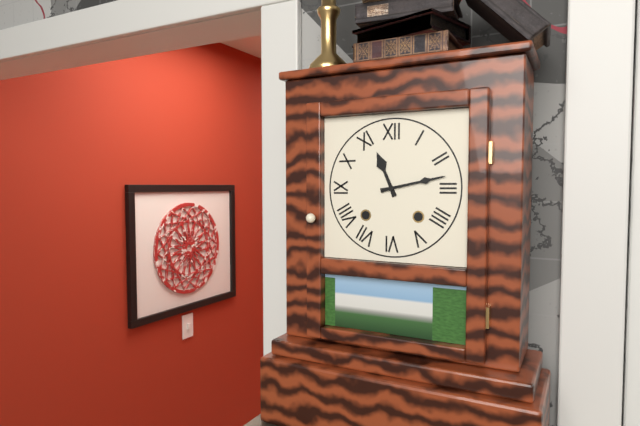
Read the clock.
11:13
